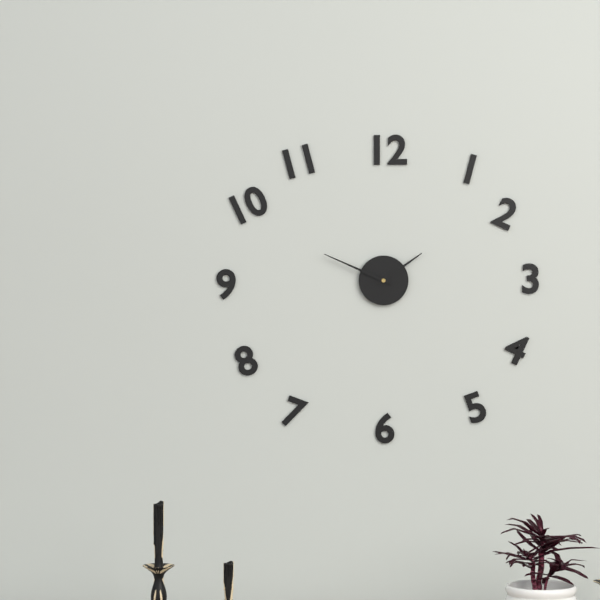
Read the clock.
1:49
